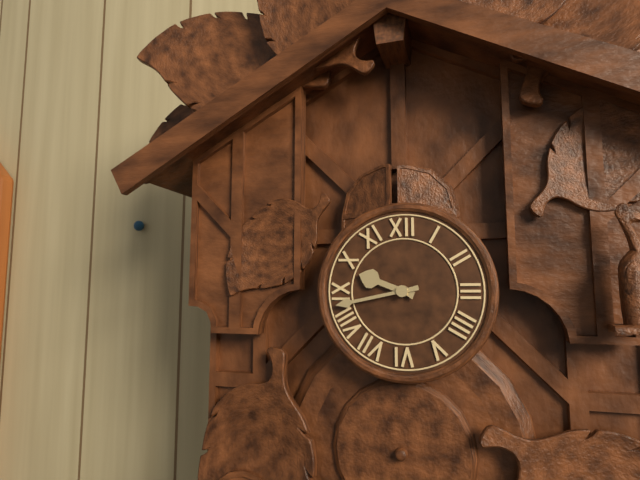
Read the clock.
9:43
